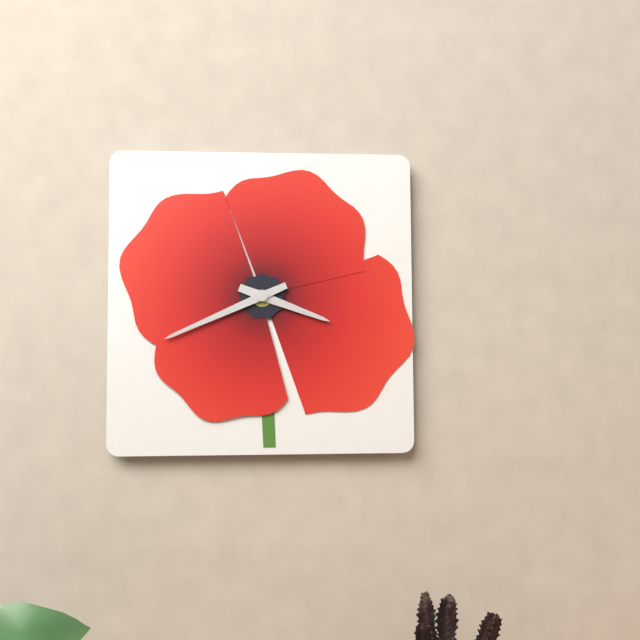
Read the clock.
3:41
